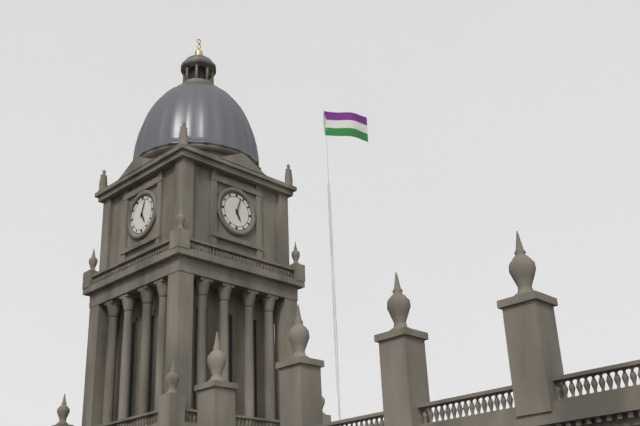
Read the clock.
5:03
